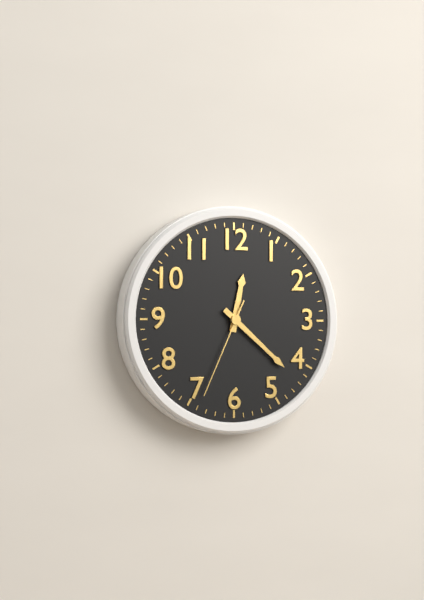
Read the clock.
12:22:34
